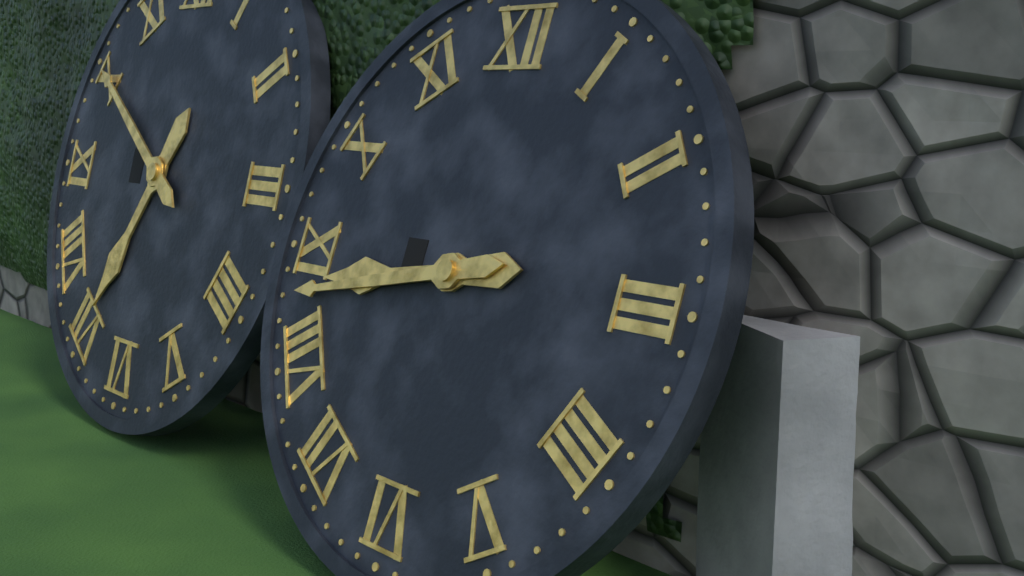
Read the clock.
8:43
